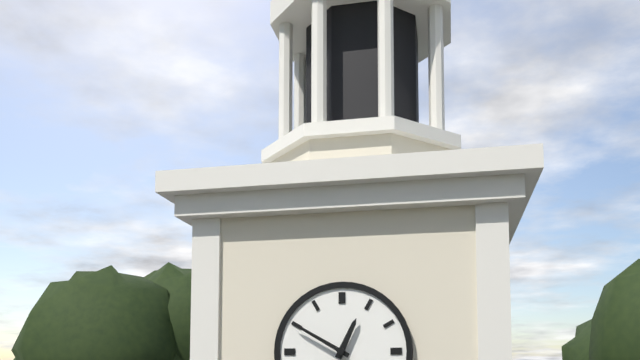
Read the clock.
12:50
